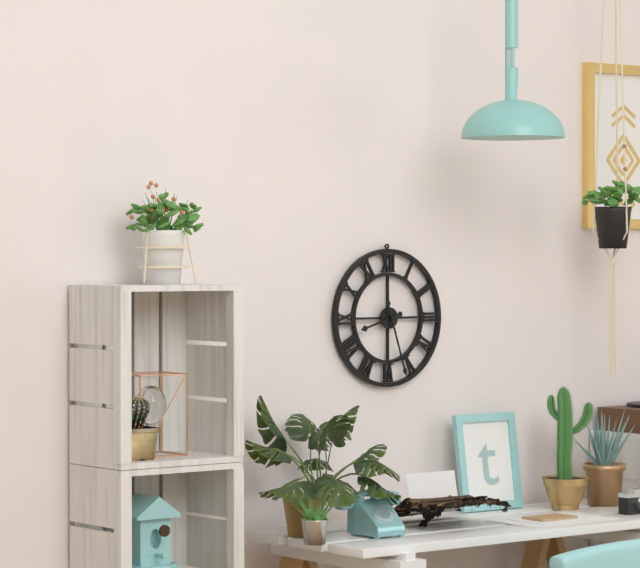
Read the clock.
8:27
